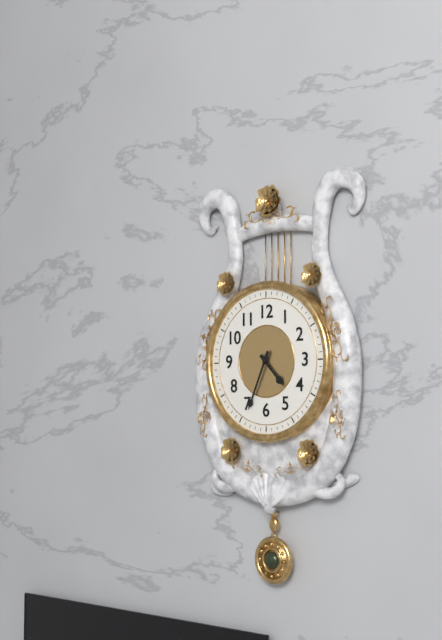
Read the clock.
4:34
